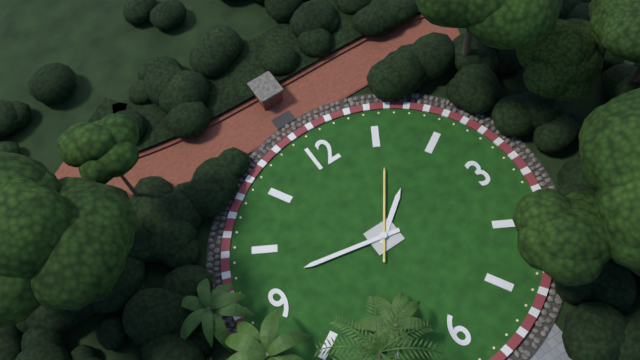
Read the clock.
1:47:06
